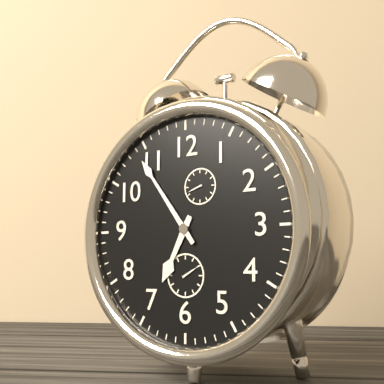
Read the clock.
6:54
